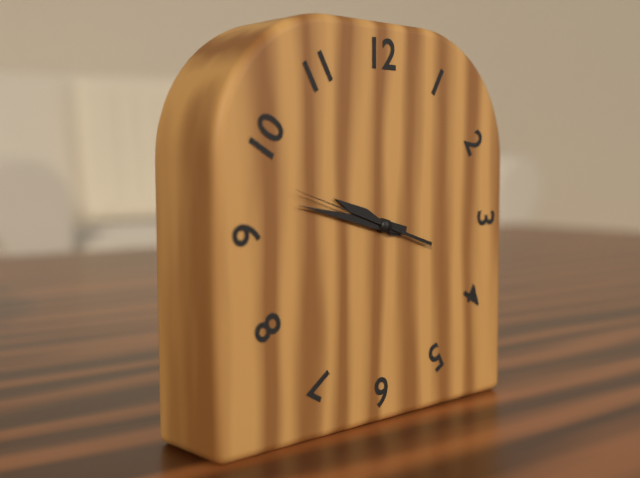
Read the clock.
9:47:48
